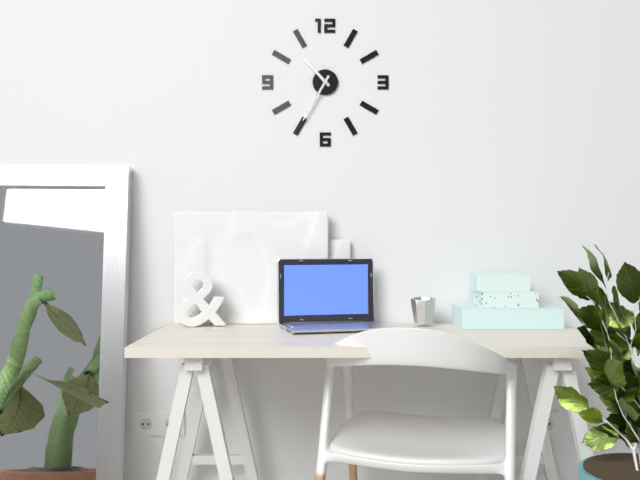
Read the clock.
10:35
